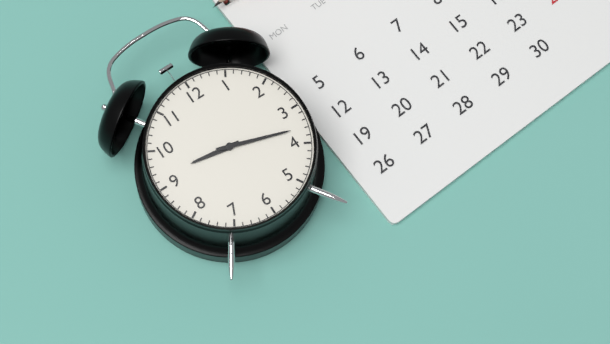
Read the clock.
9:18
